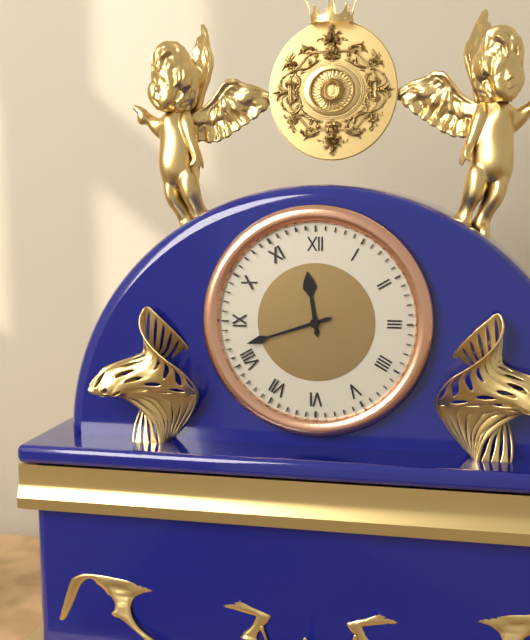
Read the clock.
11:42
